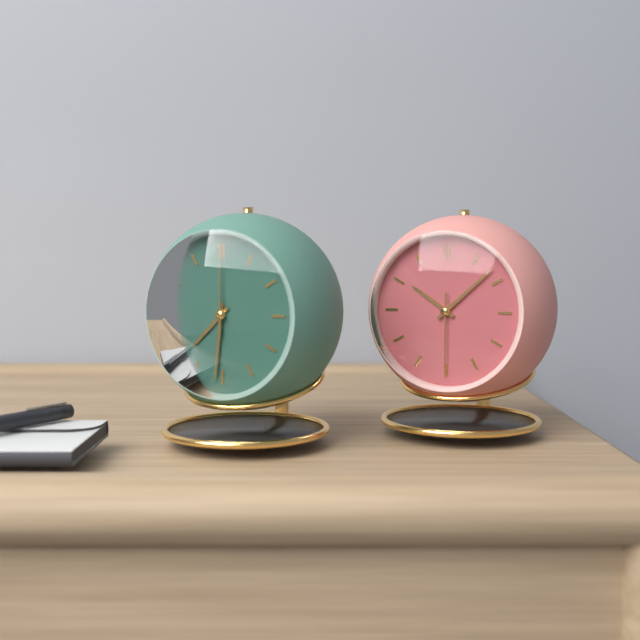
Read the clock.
7:31:00
